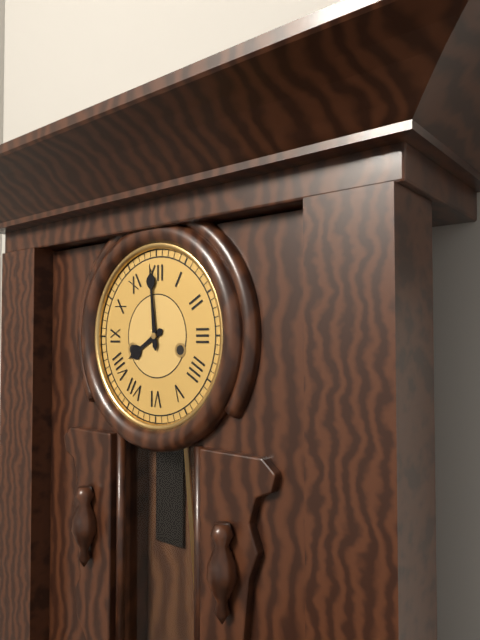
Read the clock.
7:59
